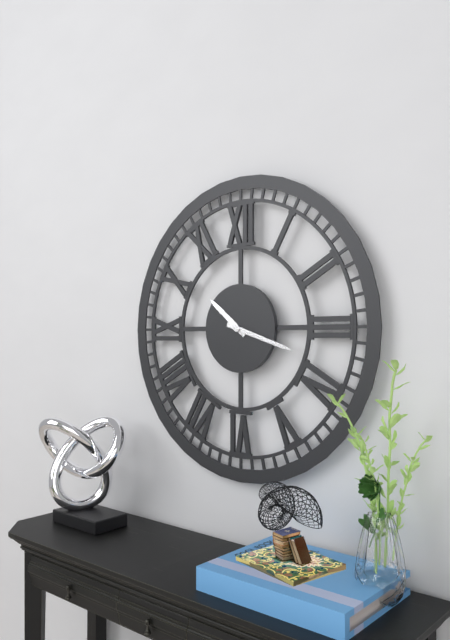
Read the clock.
10:18
